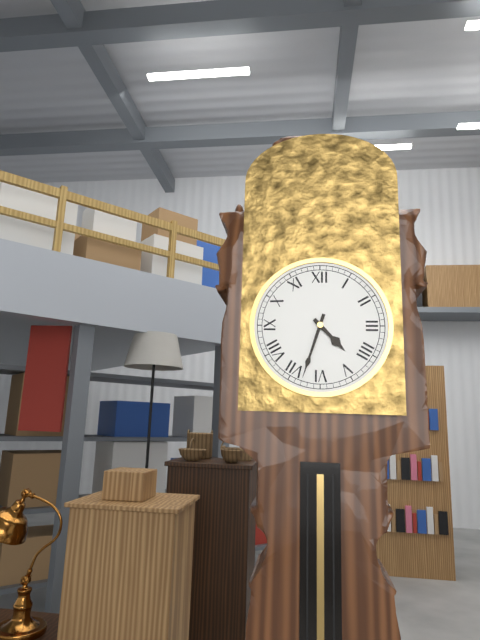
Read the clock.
4:33
